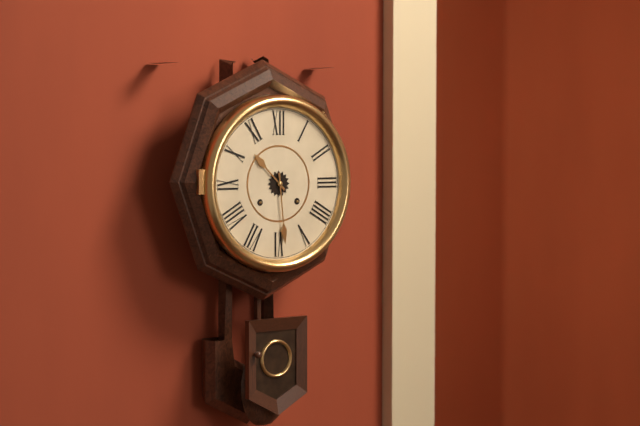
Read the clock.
10:29
